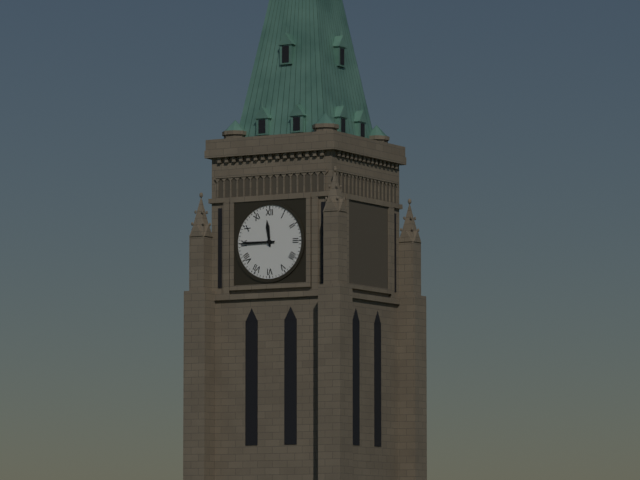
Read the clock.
11:45
